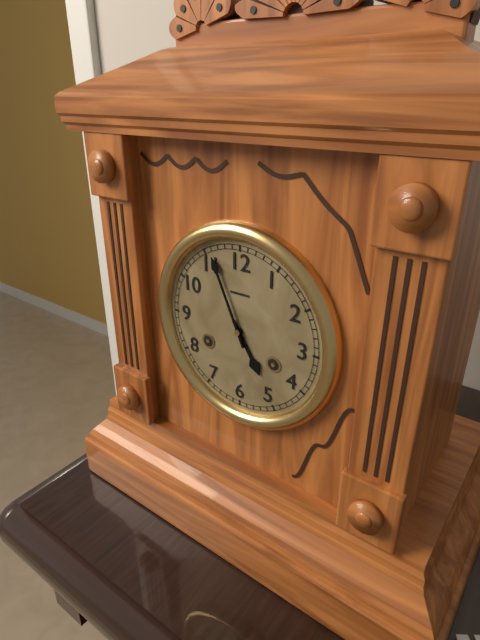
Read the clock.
4:56
